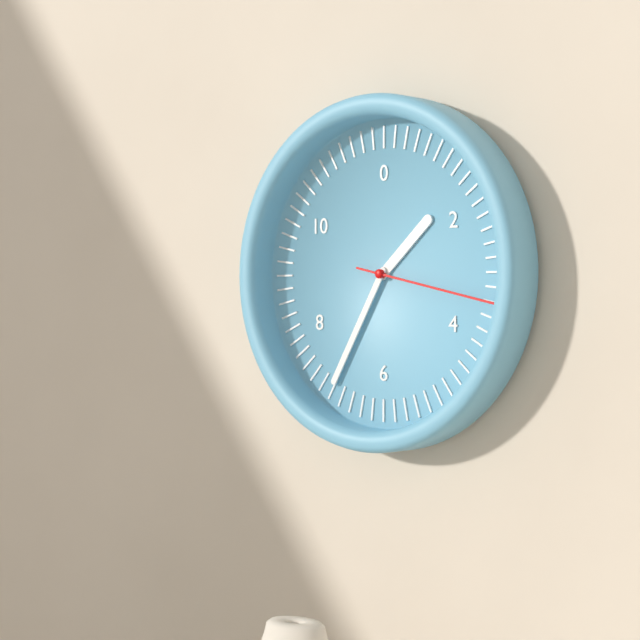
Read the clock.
1:35:17
